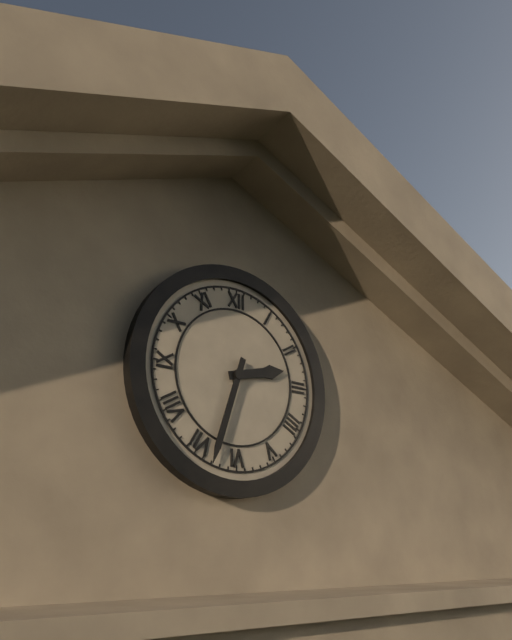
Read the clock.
2:33
